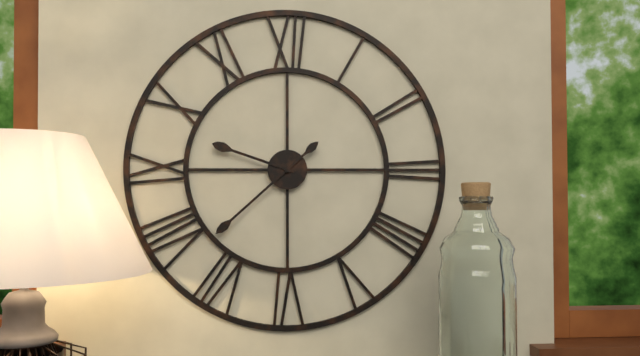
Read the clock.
9:38
